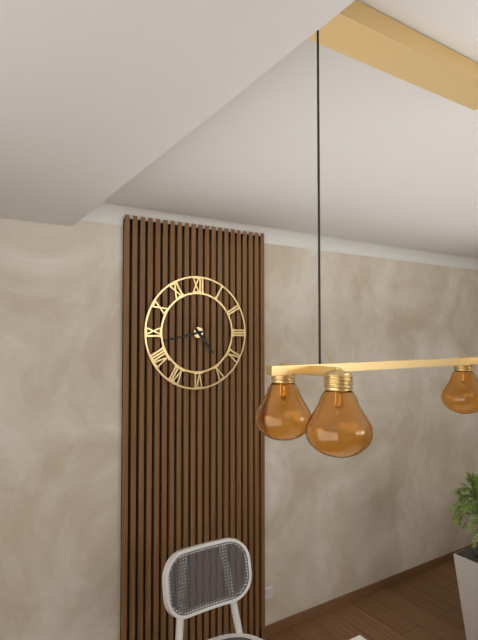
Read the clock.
4:43
